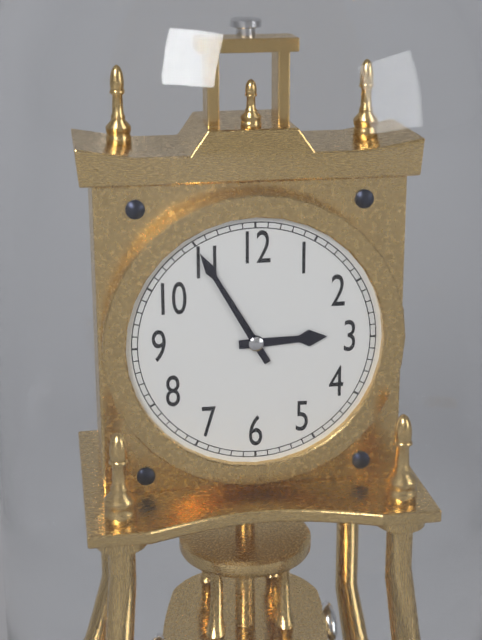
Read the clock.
2:55
